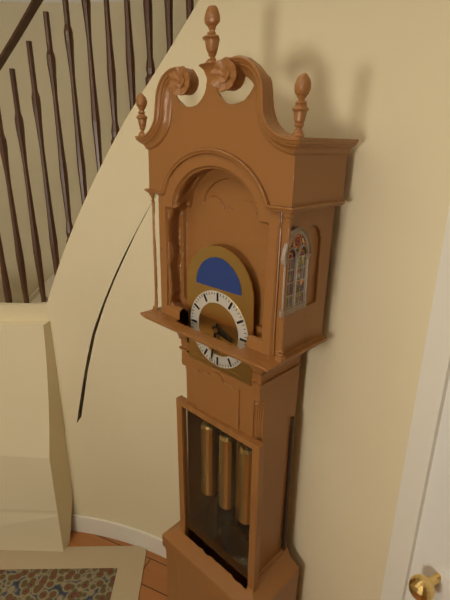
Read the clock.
3:32
